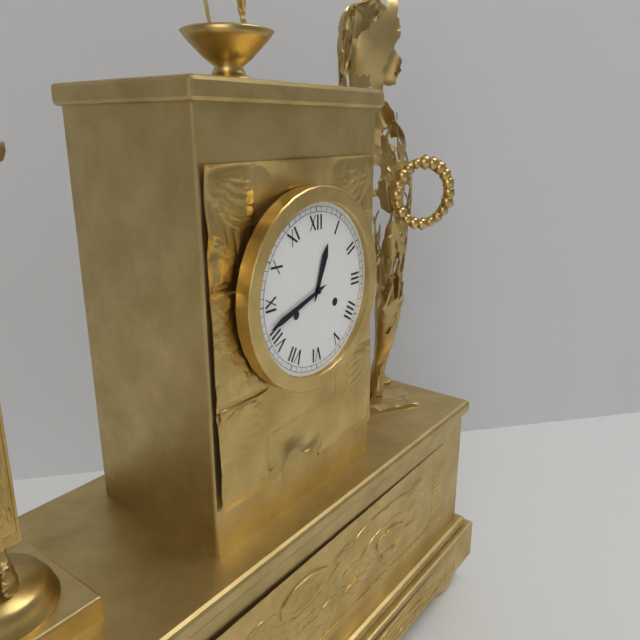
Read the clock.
12:42
